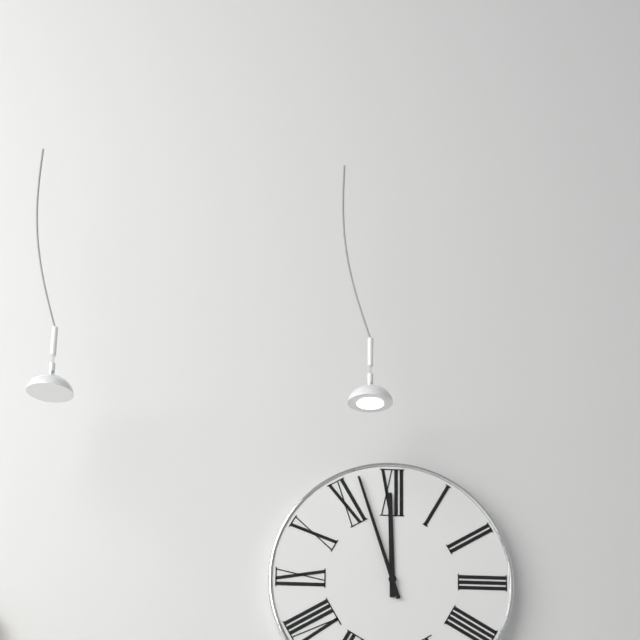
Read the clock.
11:57
